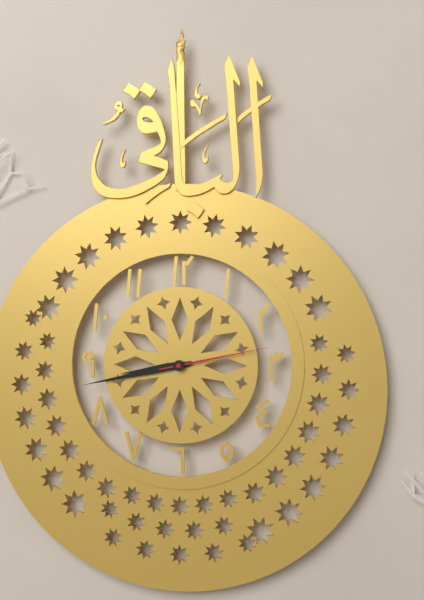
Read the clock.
8:43:13
